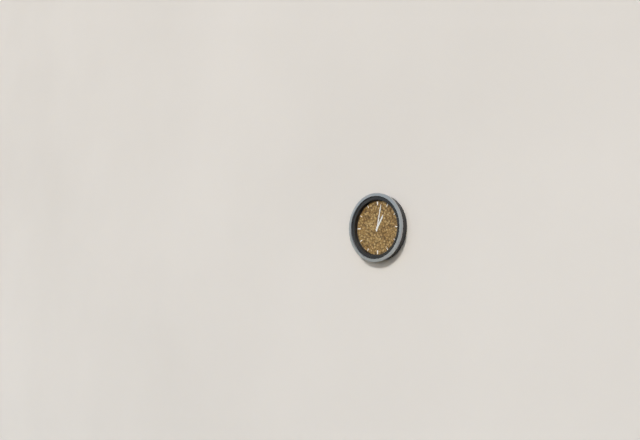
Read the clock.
1:02
